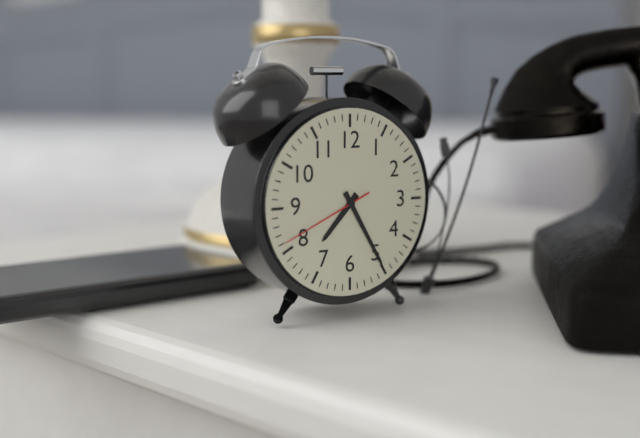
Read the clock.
7:25:41
